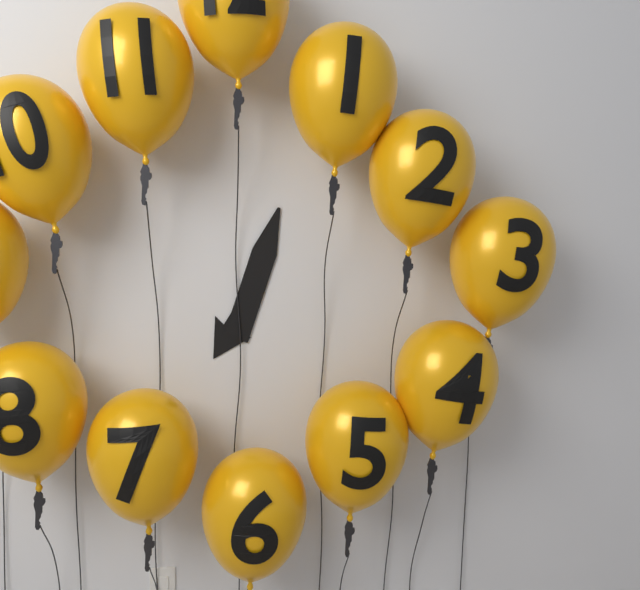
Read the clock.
7:03
